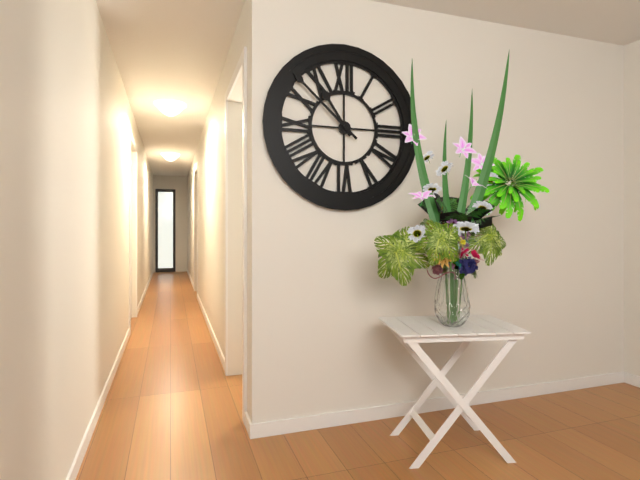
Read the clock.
10:52
